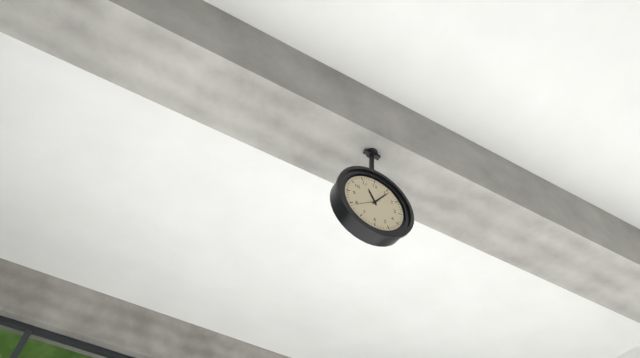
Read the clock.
11:06
